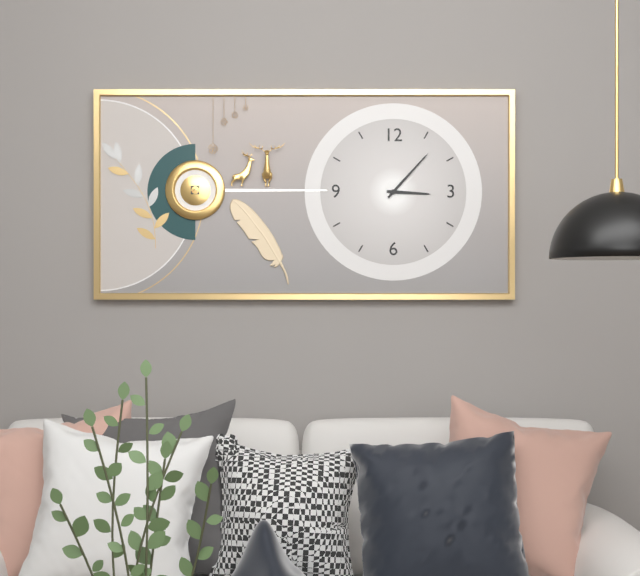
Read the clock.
3:07
